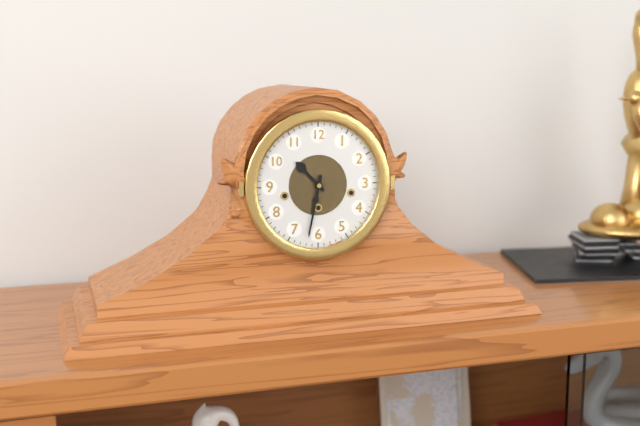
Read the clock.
10:32
